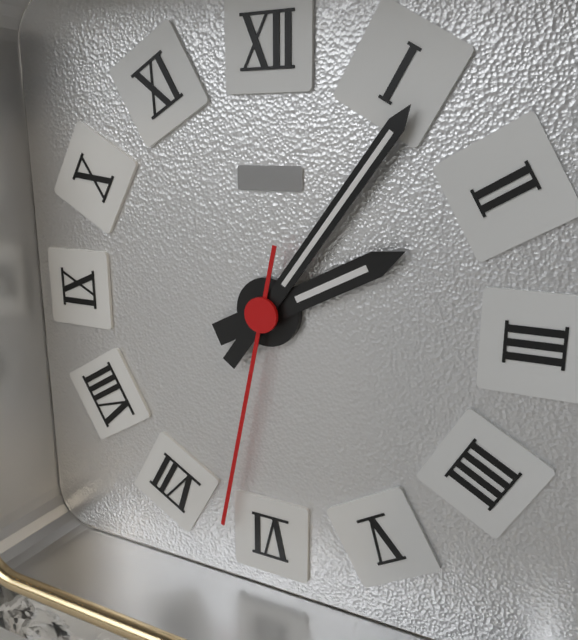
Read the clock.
2:06:32
